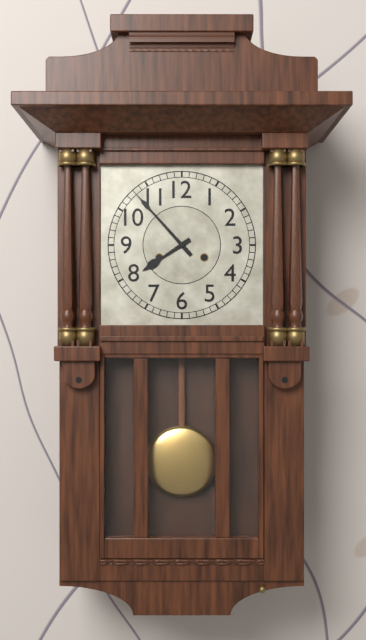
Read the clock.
7:53
